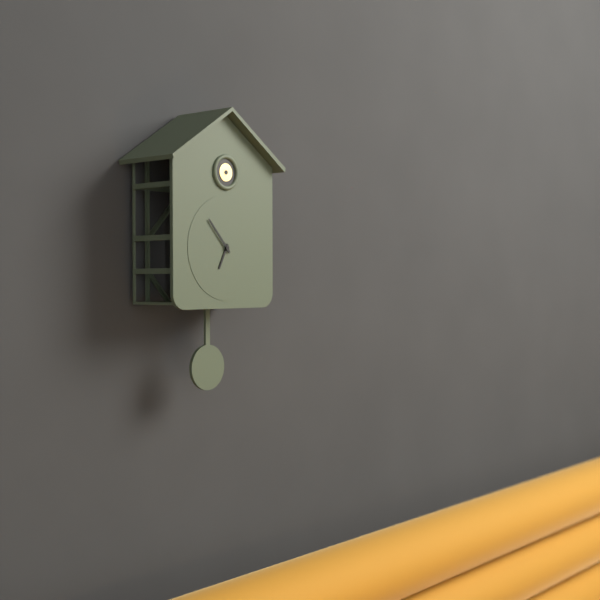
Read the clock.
6:53
